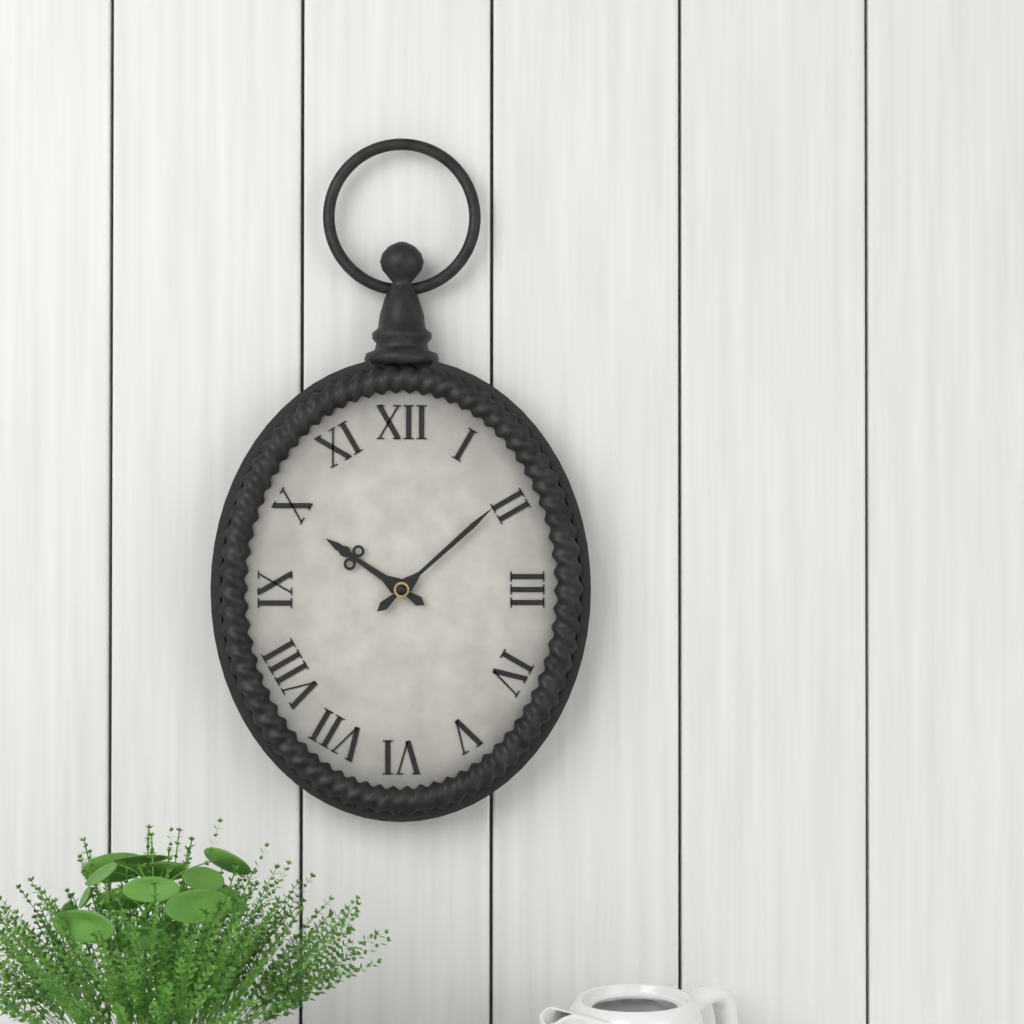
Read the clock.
10:08
